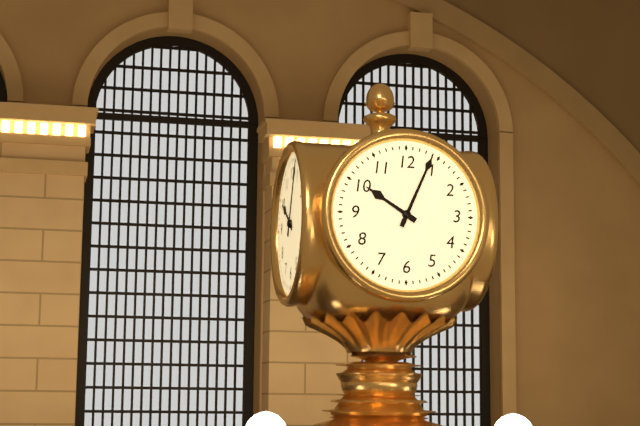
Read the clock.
10:04
